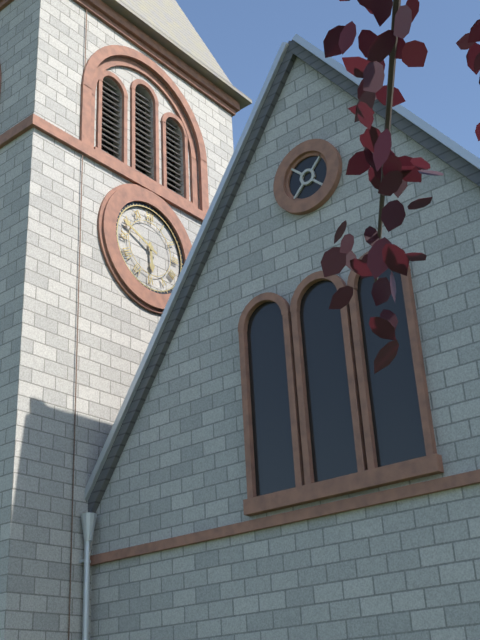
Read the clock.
5:49
